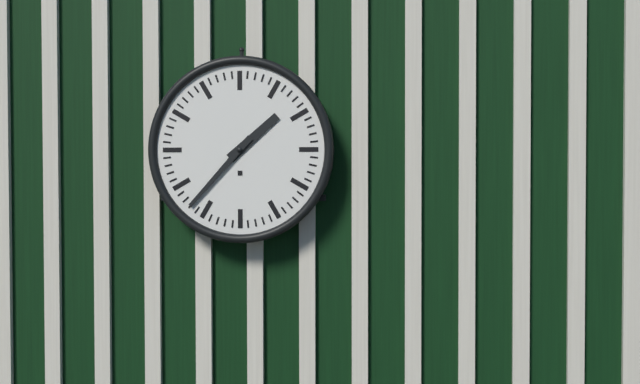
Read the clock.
1:37
